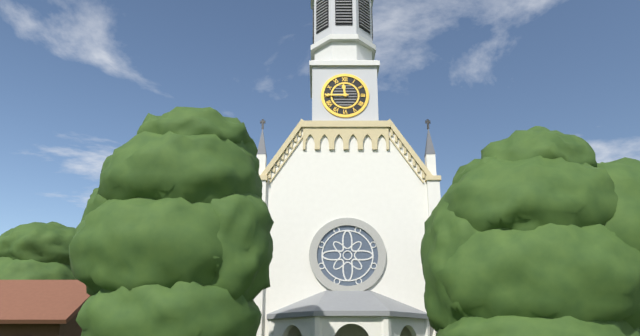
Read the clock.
11:45
